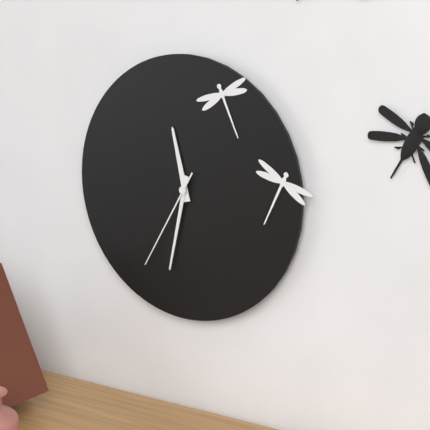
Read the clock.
11:32:35
